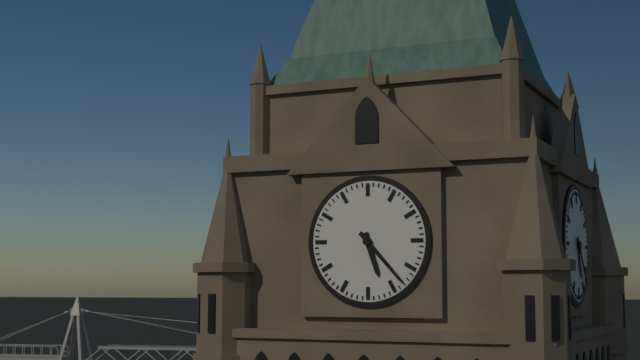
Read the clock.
5:23
